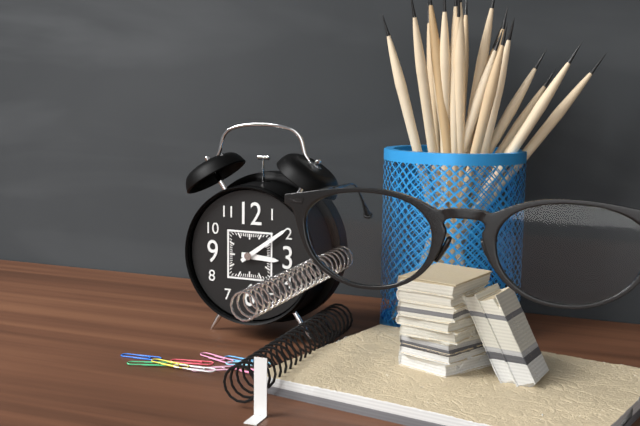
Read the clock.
3:09
